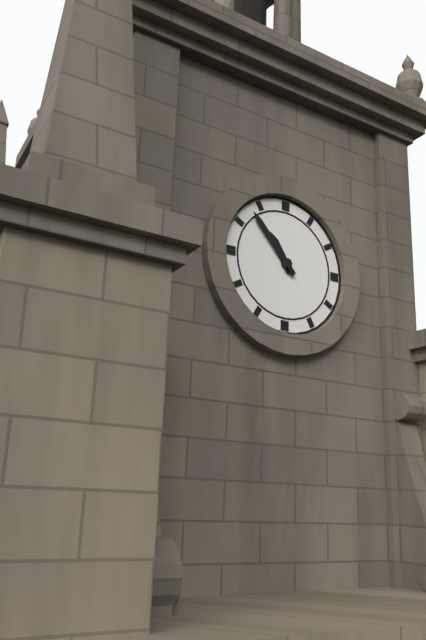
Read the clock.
10:53
